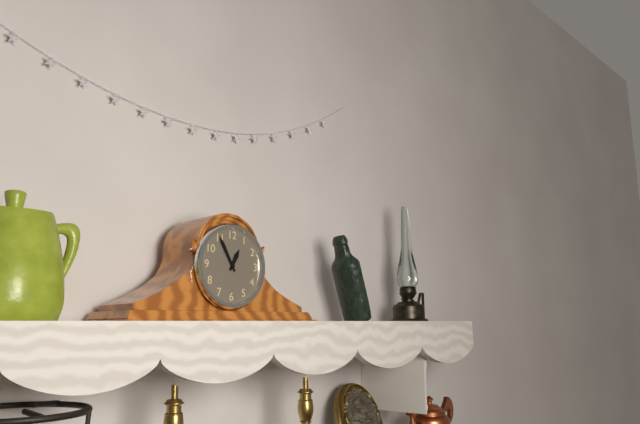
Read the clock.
12:55
